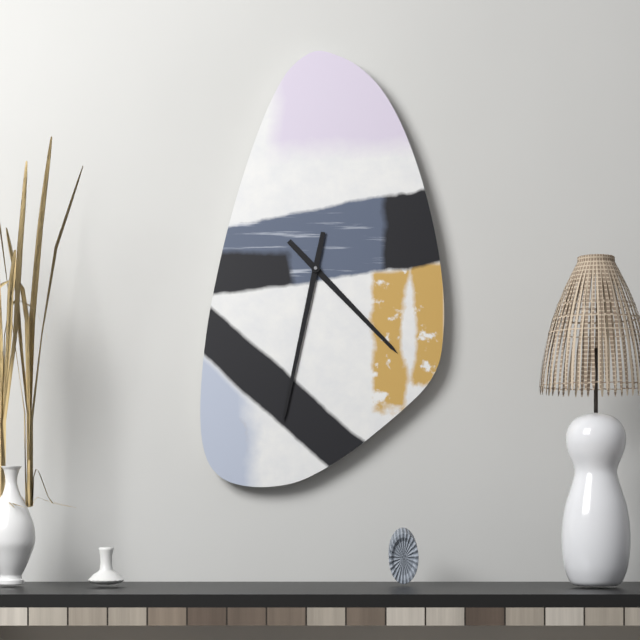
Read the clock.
4:32
